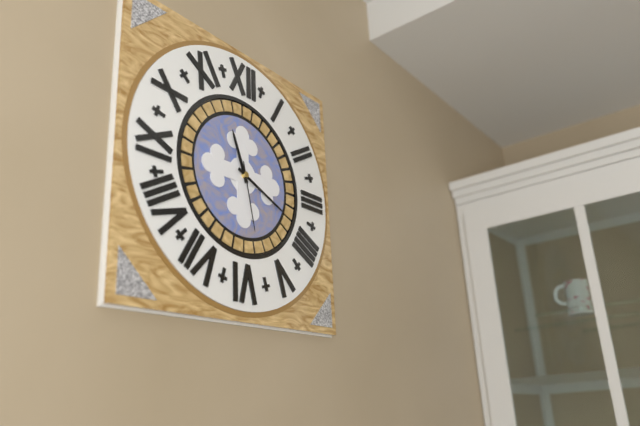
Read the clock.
11:19:28
